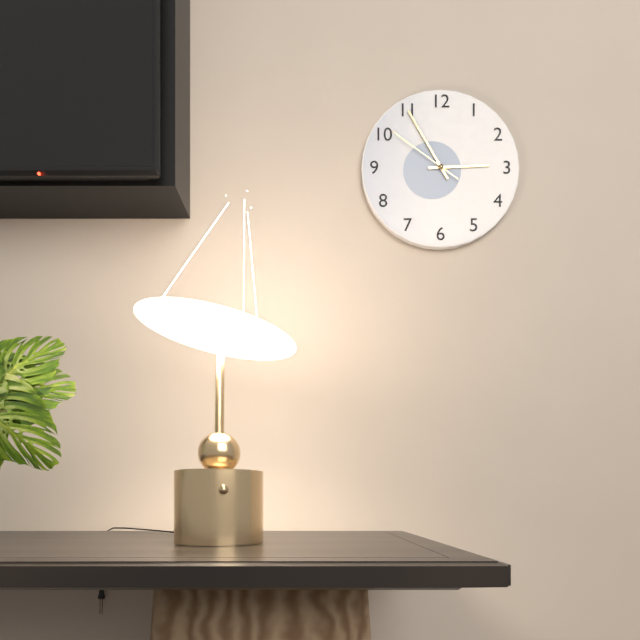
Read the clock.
2:55:51
